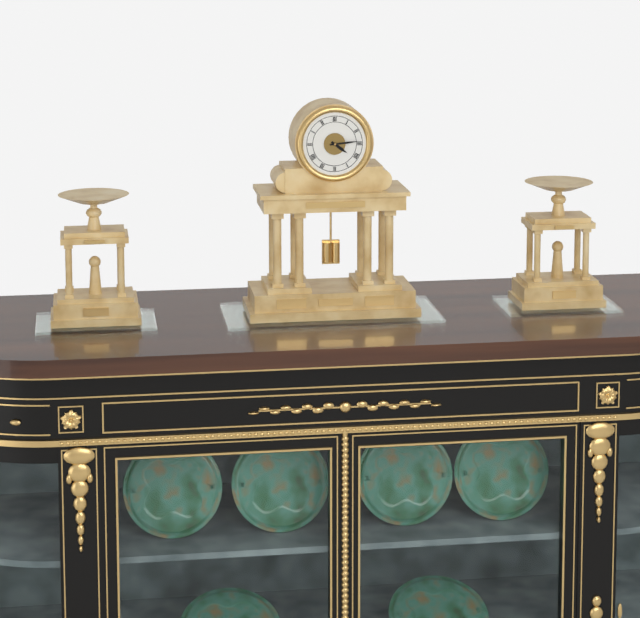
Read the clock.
4:14
